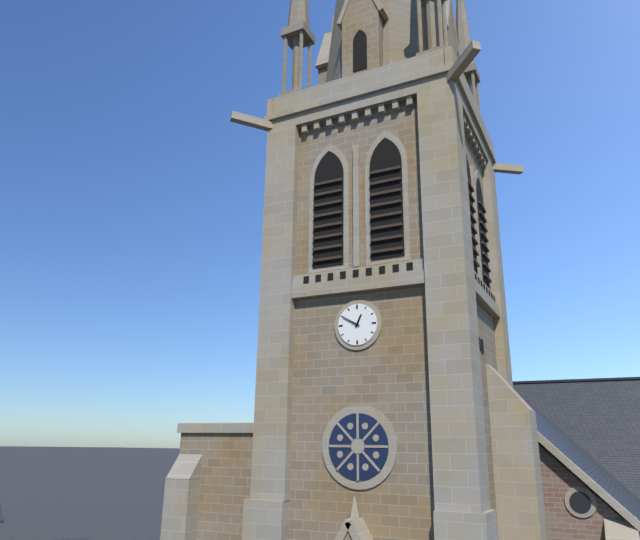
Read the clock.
12:50
